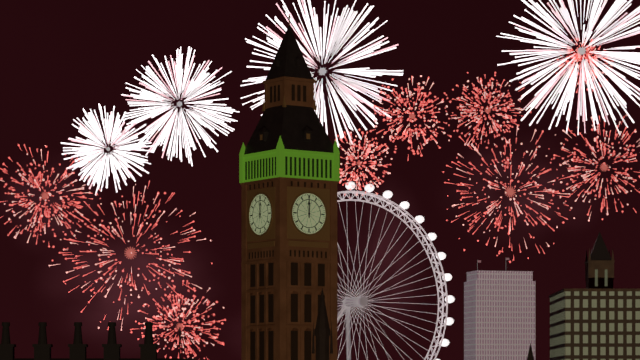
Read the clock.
12:00
